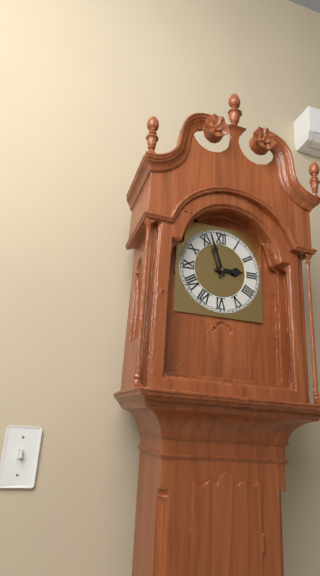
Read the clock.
2:57
